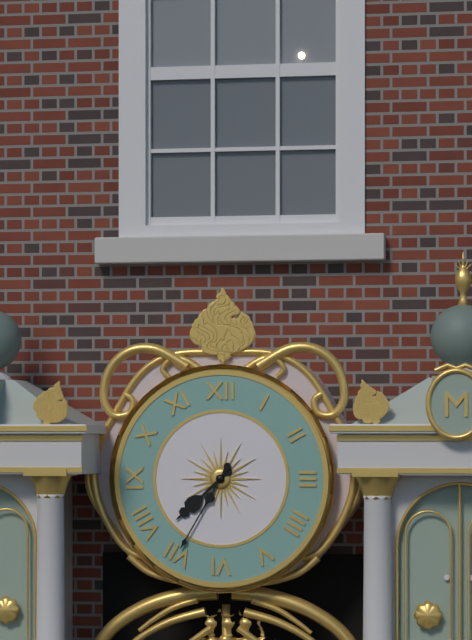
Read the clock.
7:35
